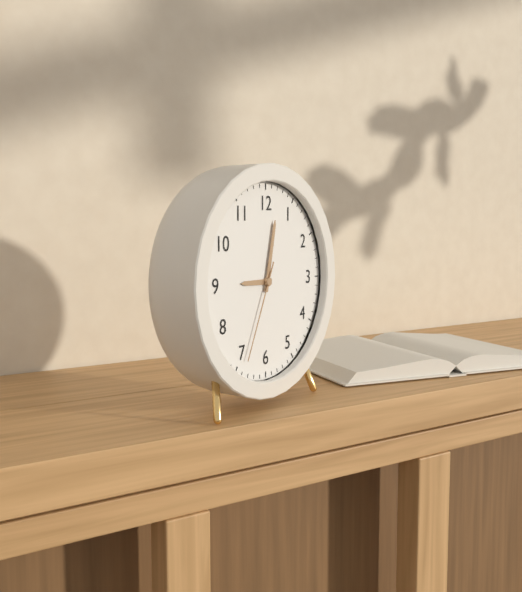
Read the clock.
9:02:34
